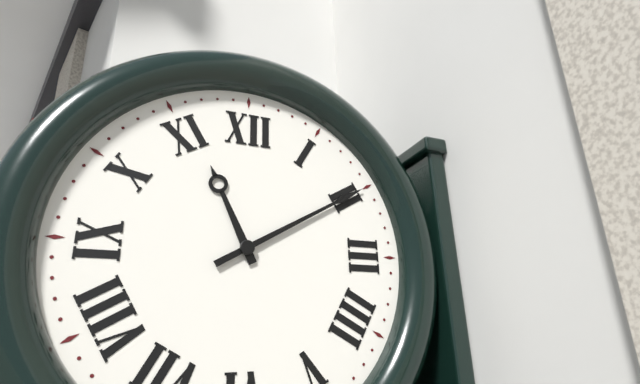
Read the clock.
11:10
